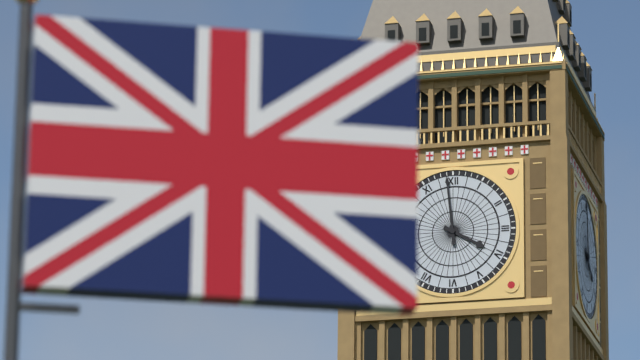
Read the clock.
3:59
